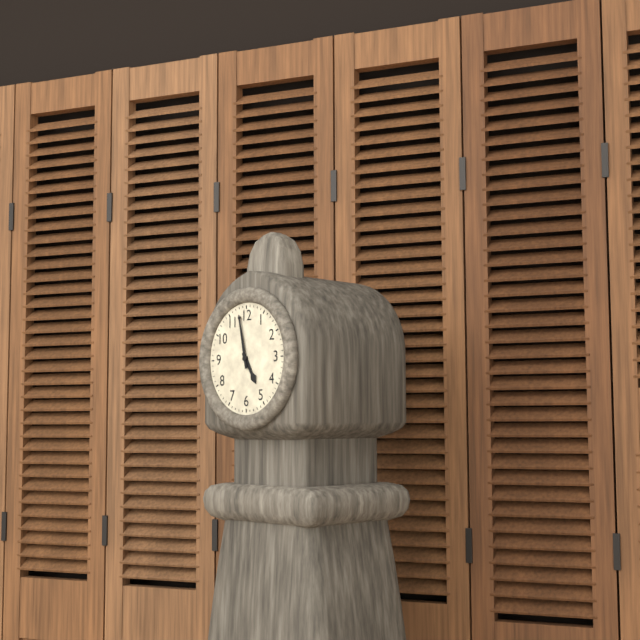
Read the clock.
4:58
